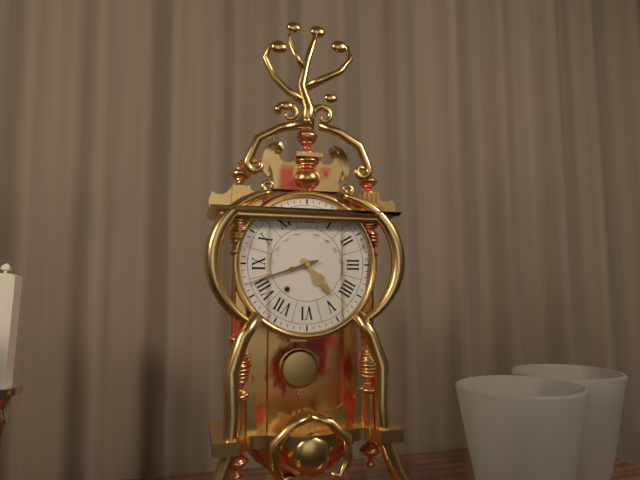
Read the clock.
4:42
